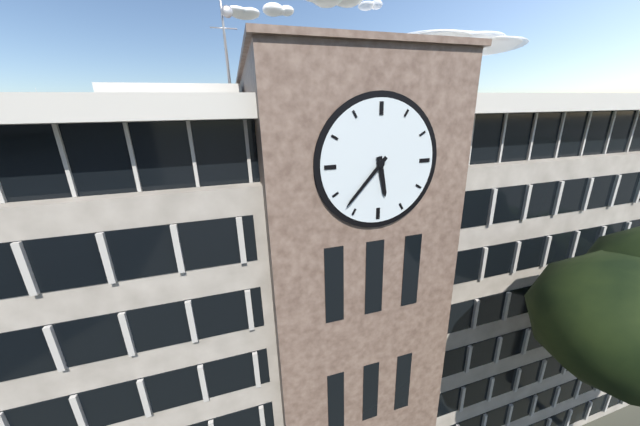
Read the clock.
5:37
